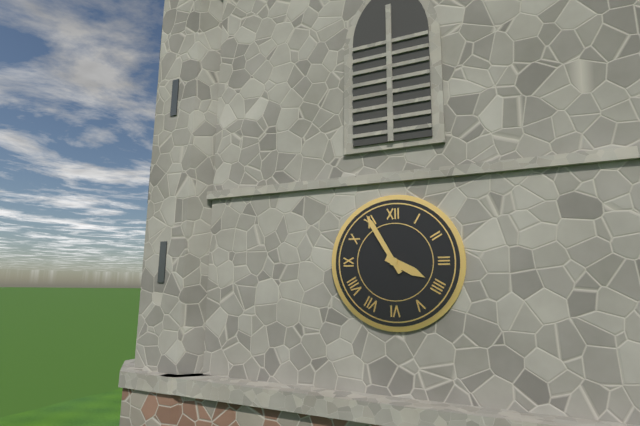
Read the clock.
3:55
